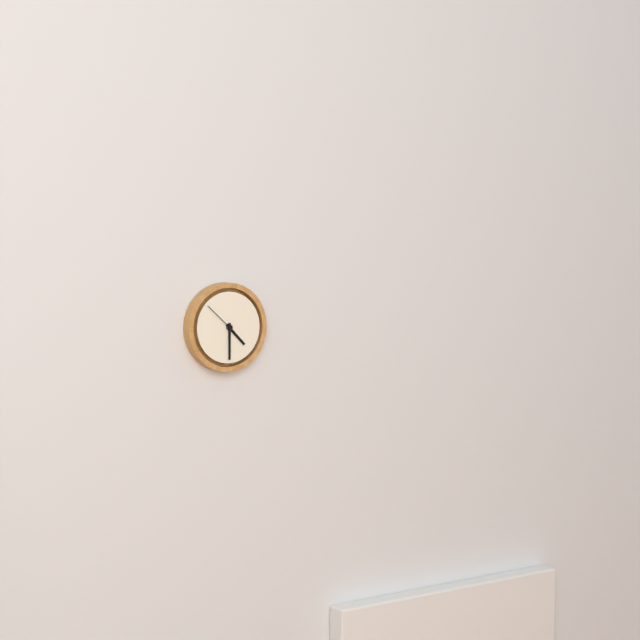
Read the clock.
4:30
